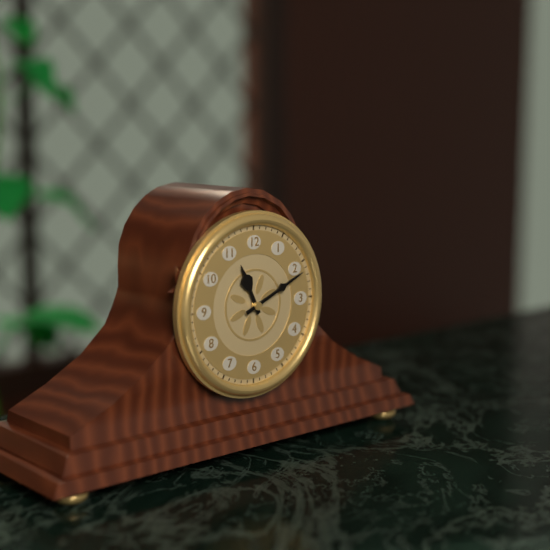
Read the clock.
11:11
